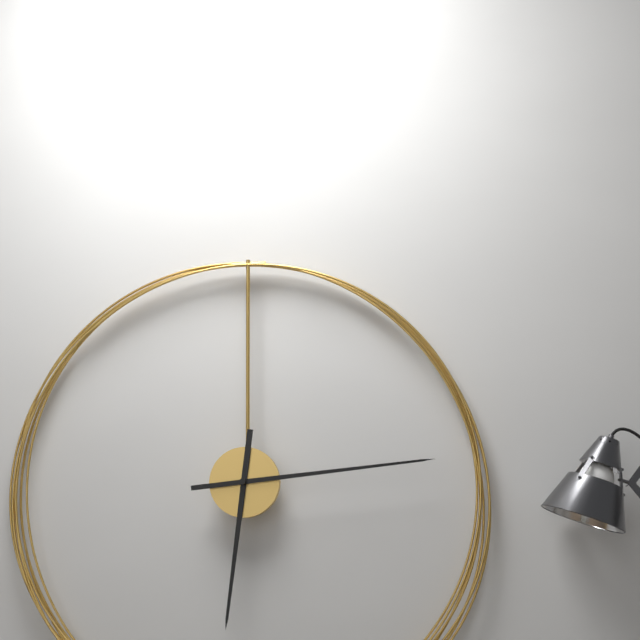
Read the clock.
6:14
